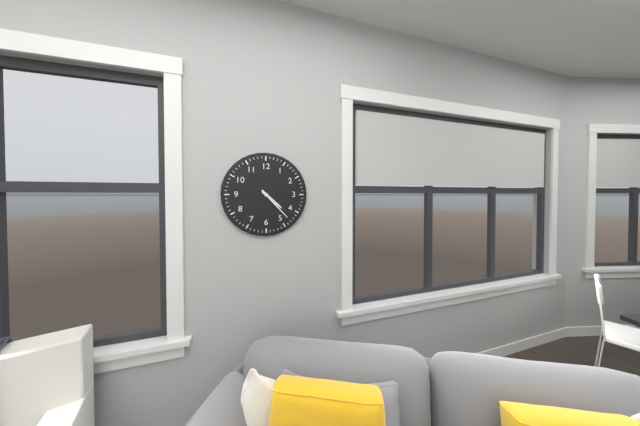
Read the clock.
4:23
